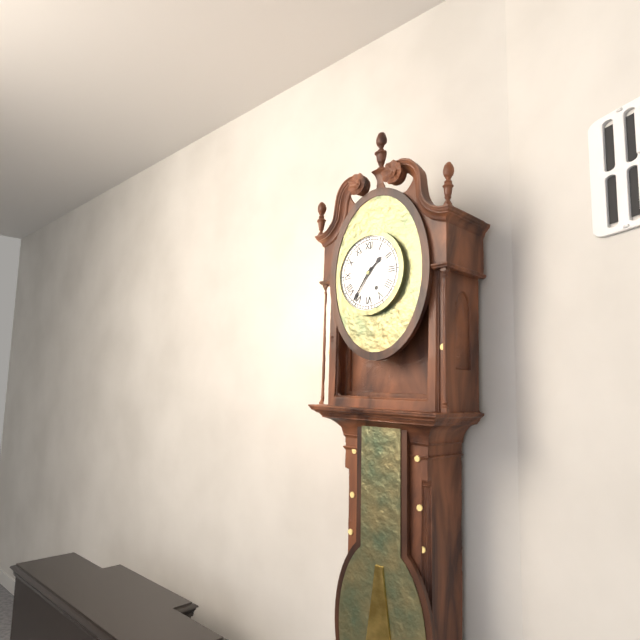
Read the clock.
1:36
